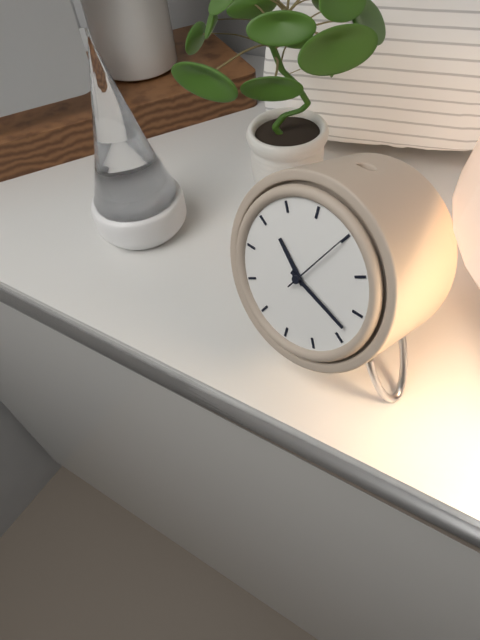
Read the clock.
10:18:05
